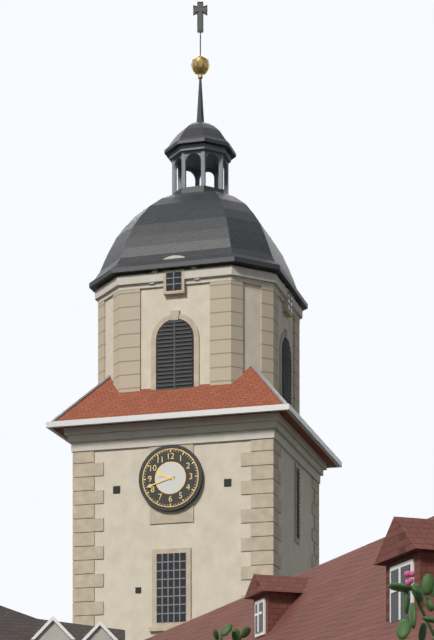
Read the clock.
9:42
